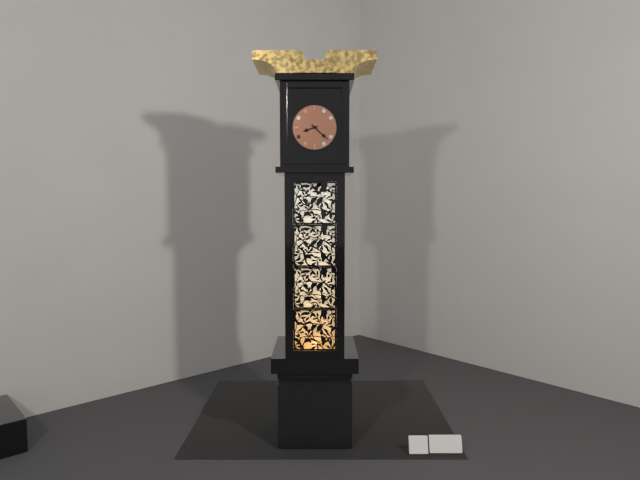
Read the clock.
8:22
